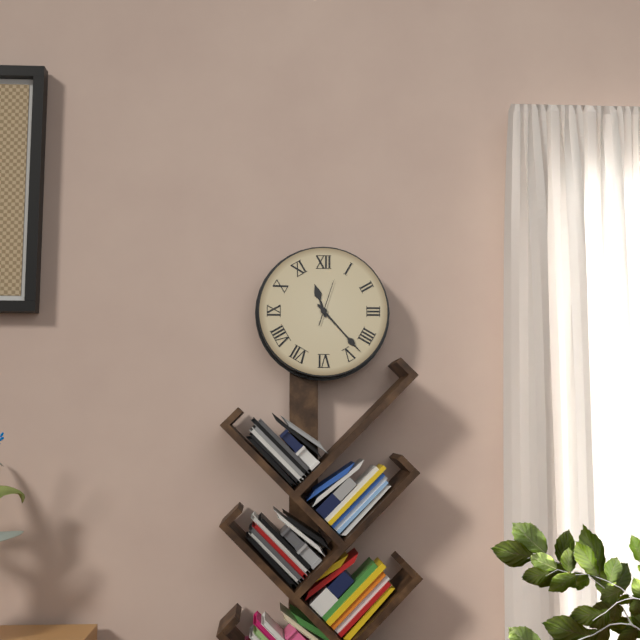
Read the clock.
11:23
